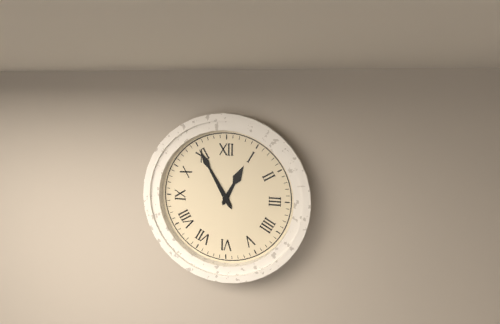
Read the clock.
12:55
